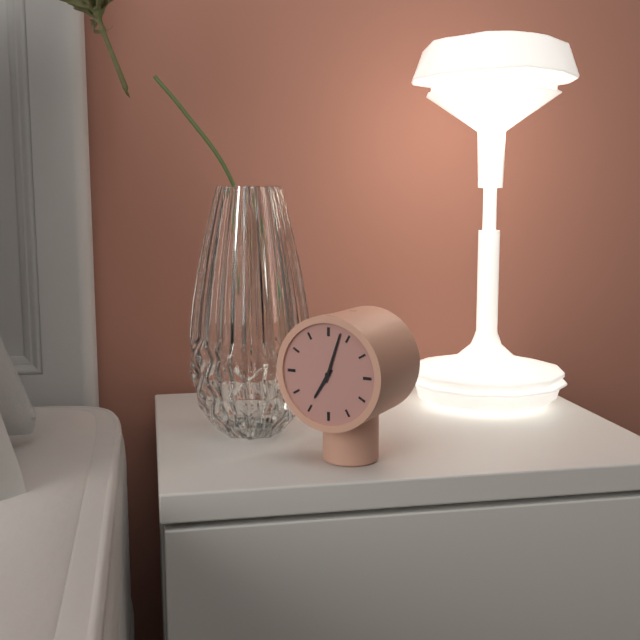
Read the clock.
7:03
